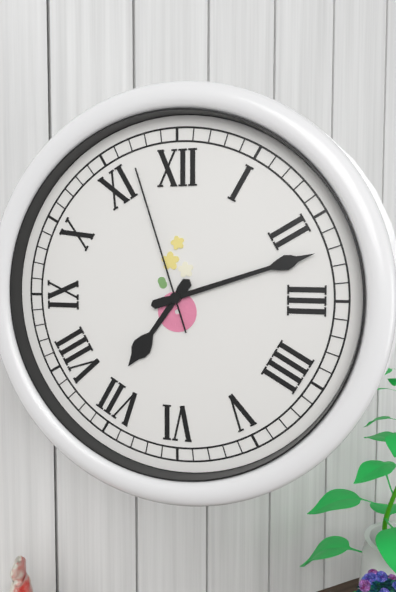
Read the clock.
7:12:57
